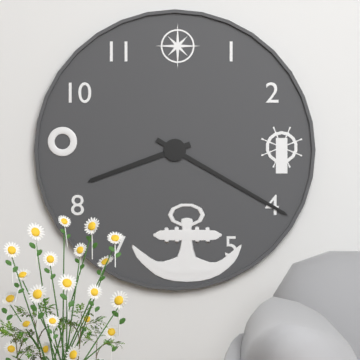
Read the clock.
8:20
